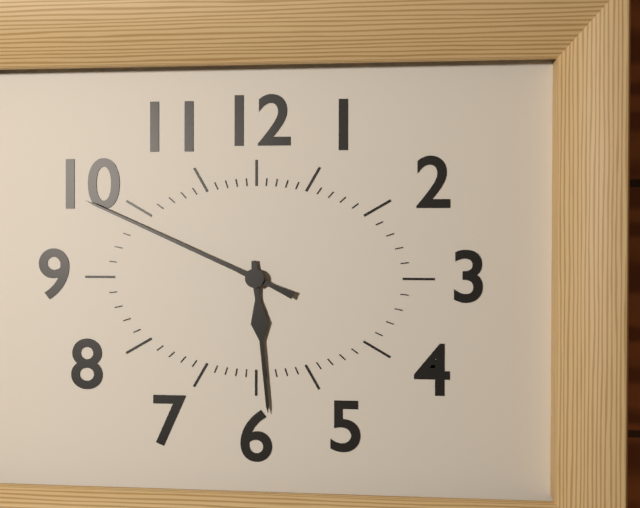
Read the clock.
5:49
